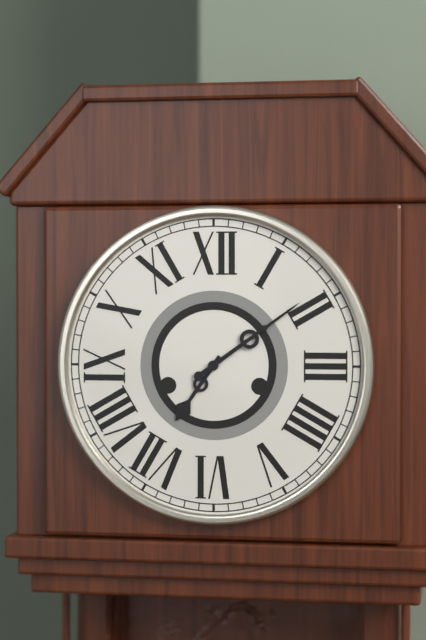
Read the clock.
7:09
